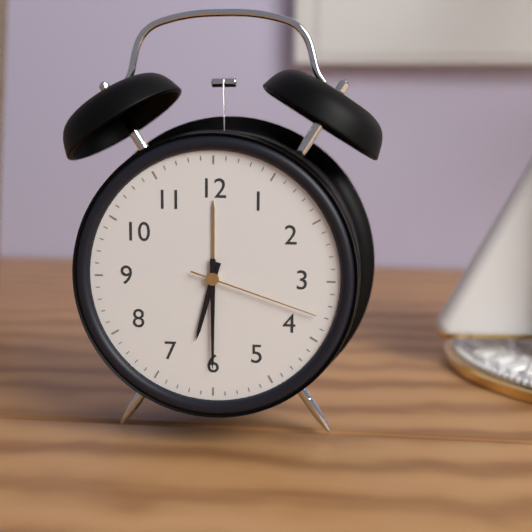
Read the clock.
6:30:18
